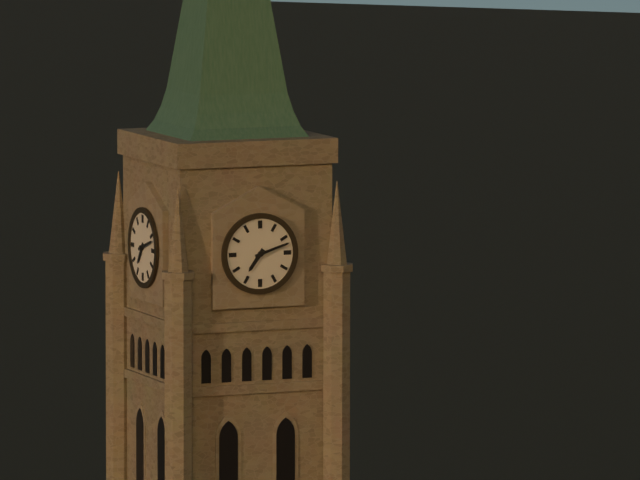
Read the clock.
7:12
